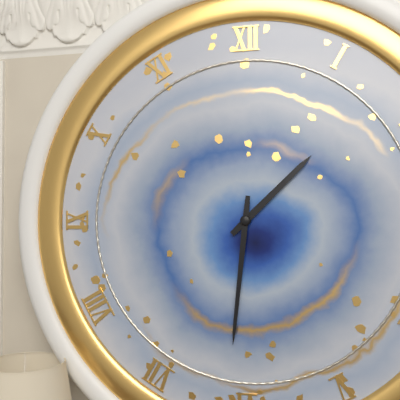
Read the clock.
1:31
